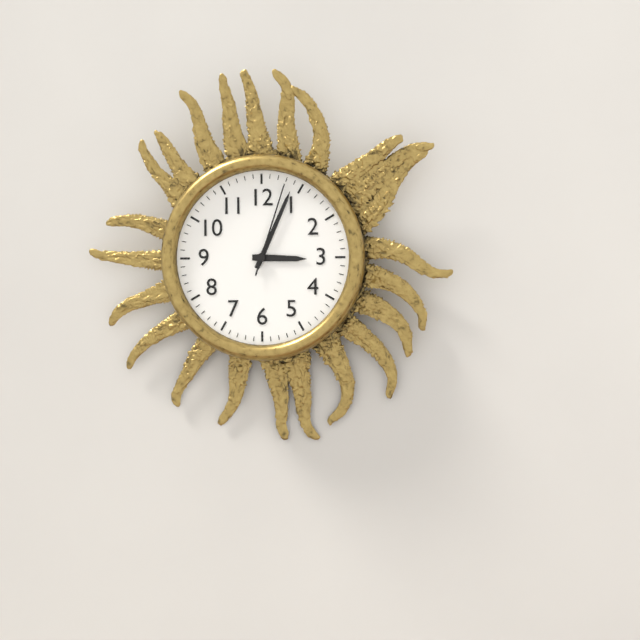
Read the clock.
3:04:03
